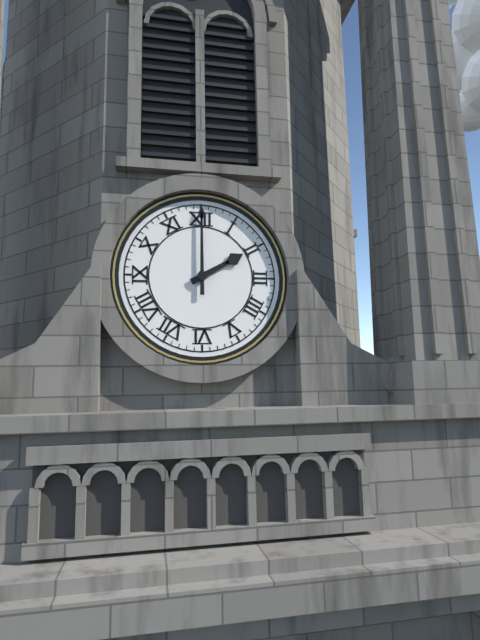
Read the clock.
2:00
